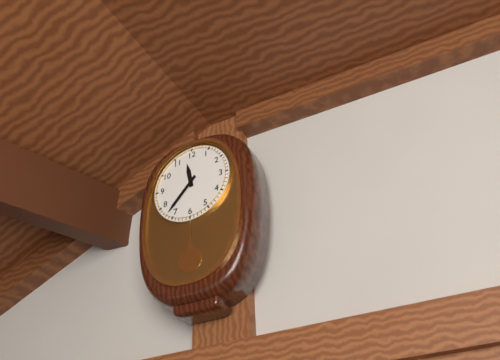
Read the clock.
11:37
